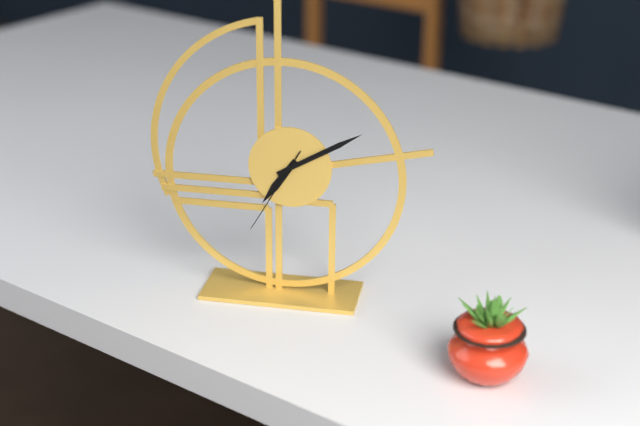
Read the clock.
7:10:35
